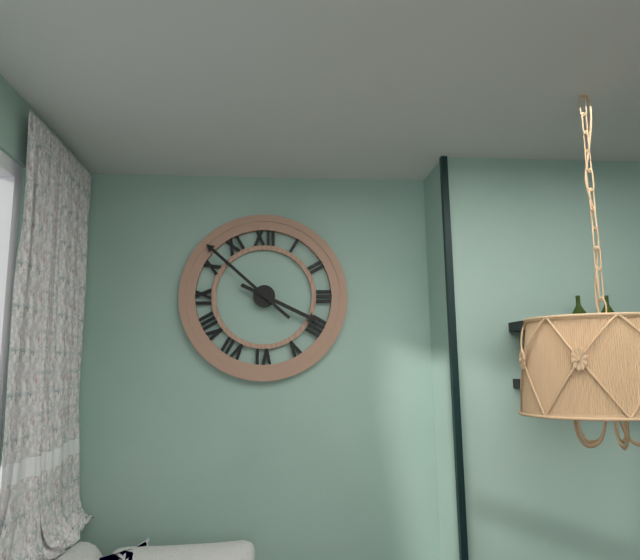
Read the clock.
3:52
